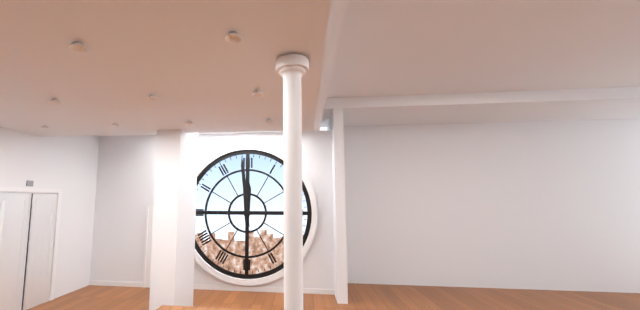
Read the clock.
11:59
